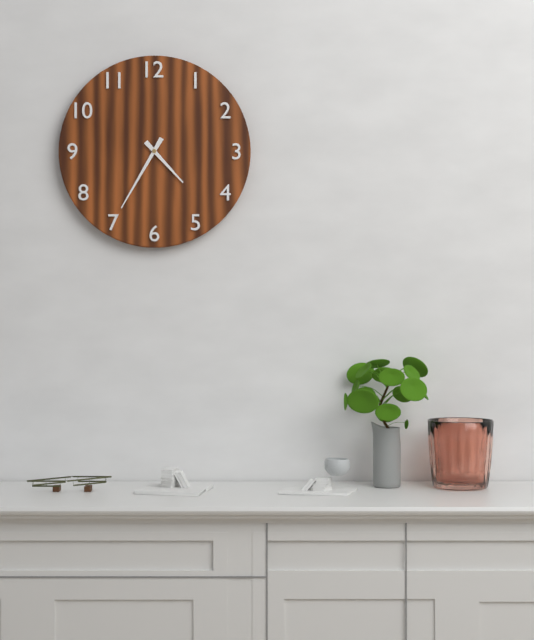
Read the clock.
4:35
